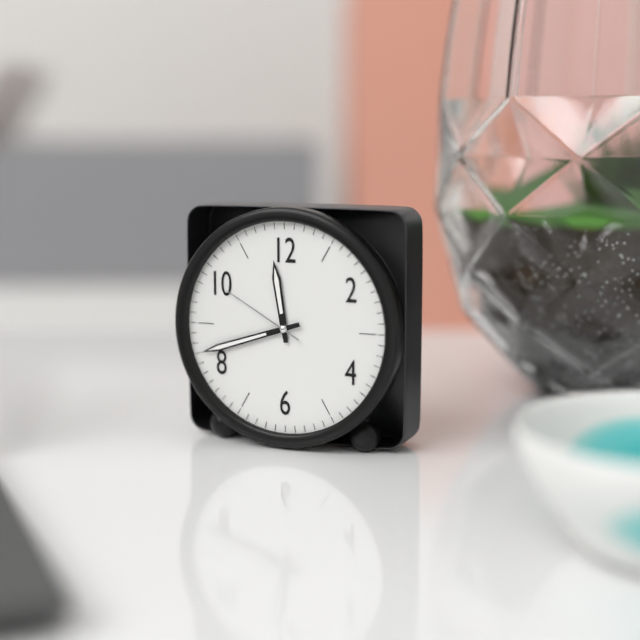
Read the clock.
11:42:50
